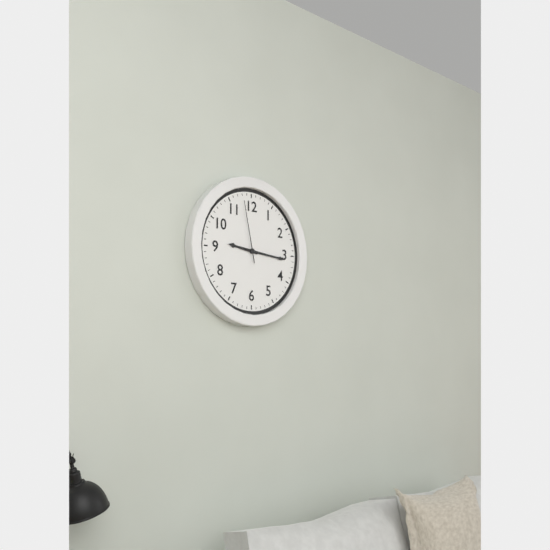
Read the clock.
9:16:58
